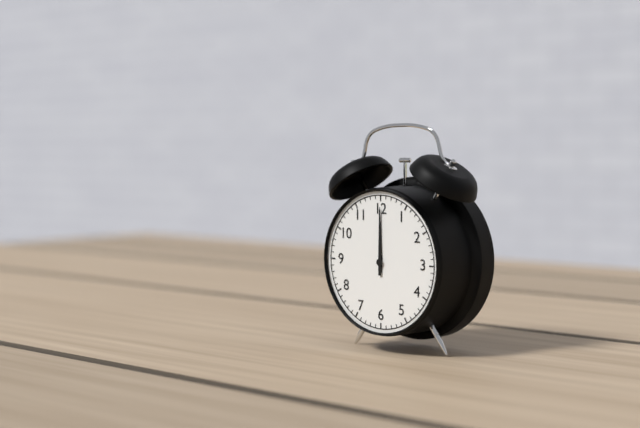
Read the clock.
12:00
